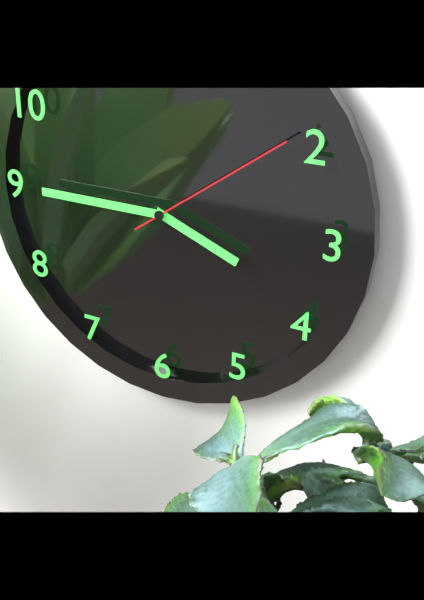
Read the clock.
3:45:09
